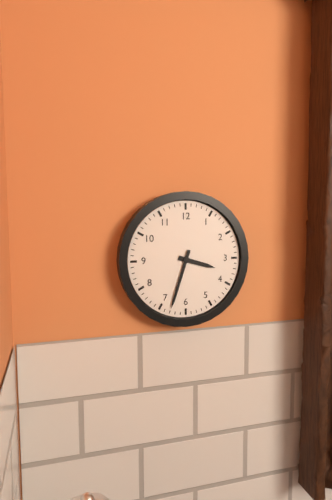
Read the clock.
3:33
